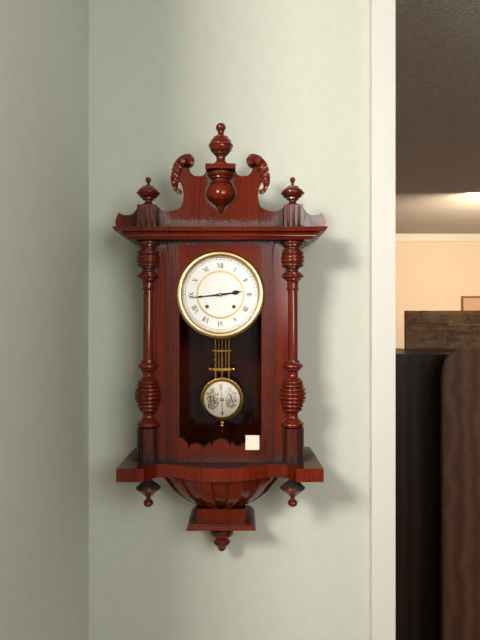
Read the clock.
2:44
